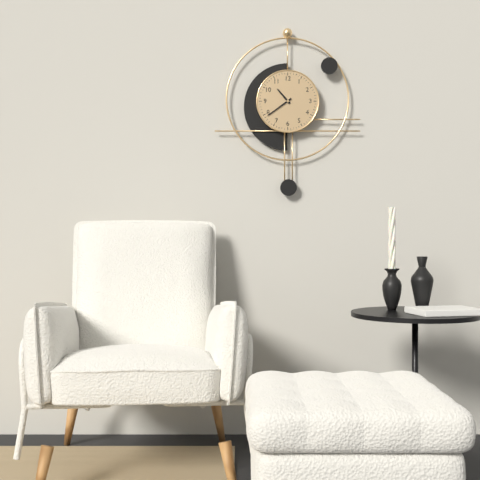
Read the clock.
10:39
